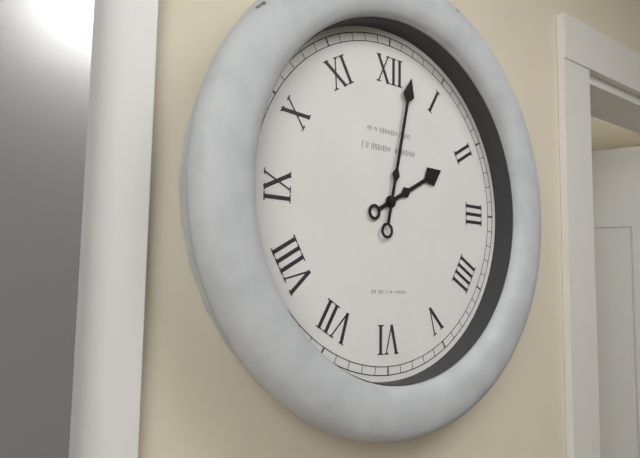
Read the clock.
2:02
